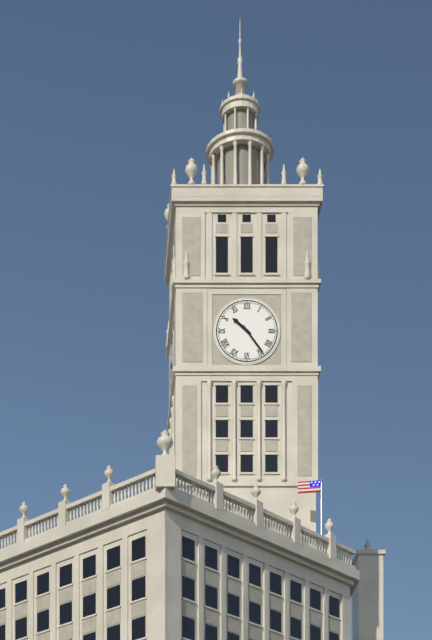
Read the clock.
10:24
